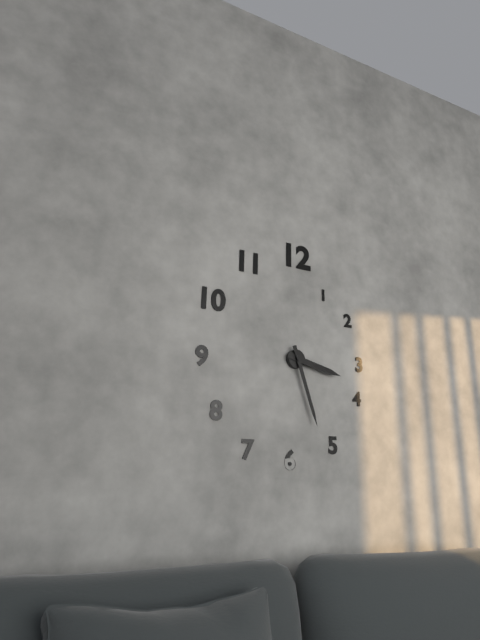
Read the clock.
3:27
